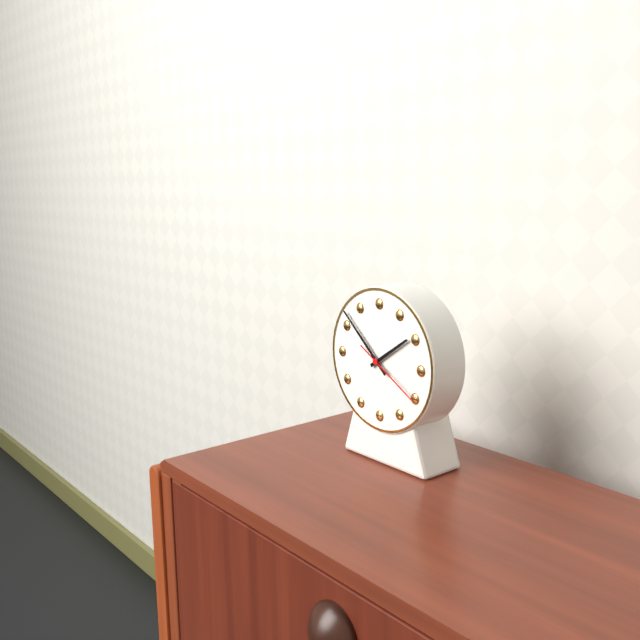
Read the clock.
1:52:20
